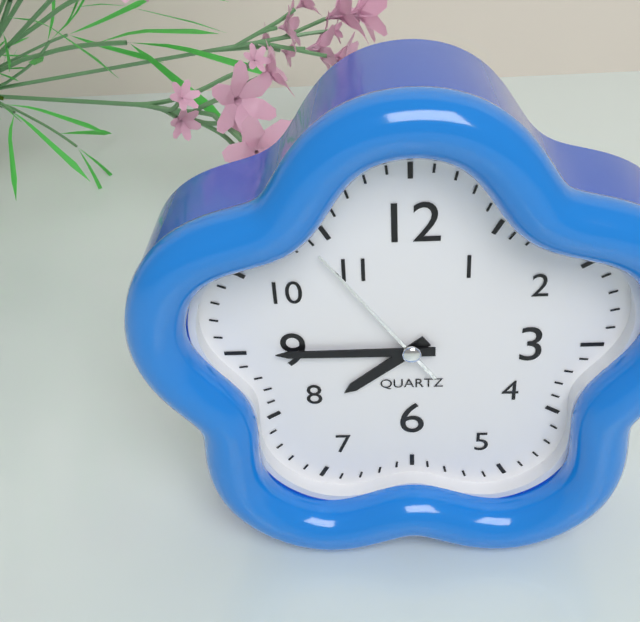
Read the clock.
7:45:54
